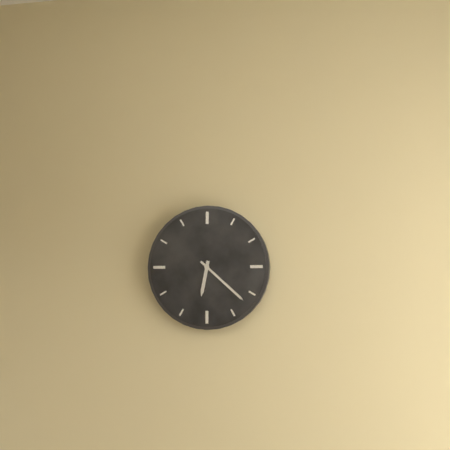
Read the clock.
6:22
